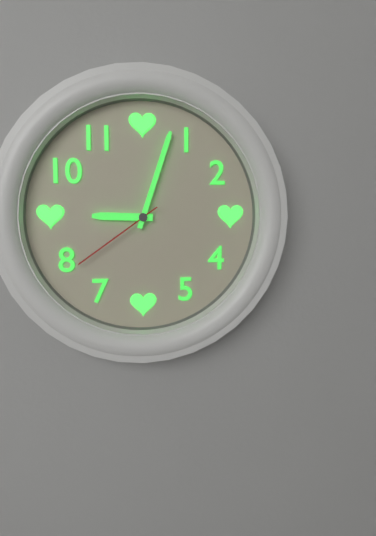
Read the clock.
9:03:39
